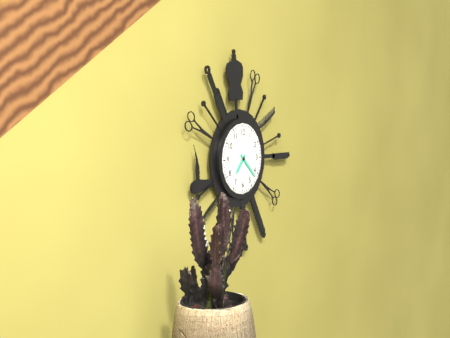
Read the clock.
7:22
